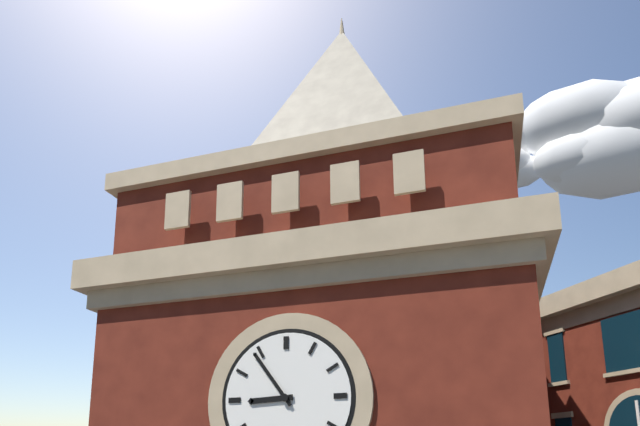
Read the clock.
8:54
